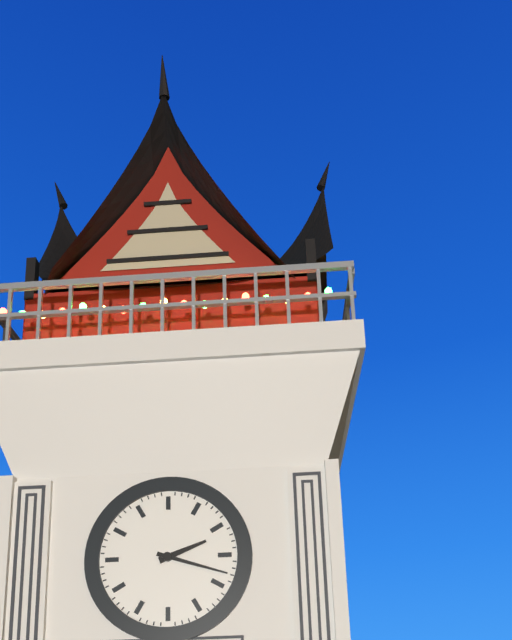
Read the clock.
2:18
